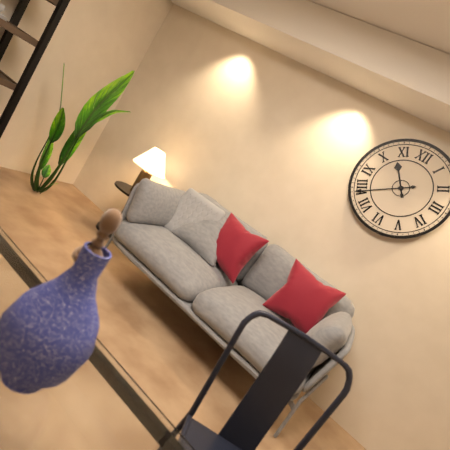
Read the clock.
10:39
